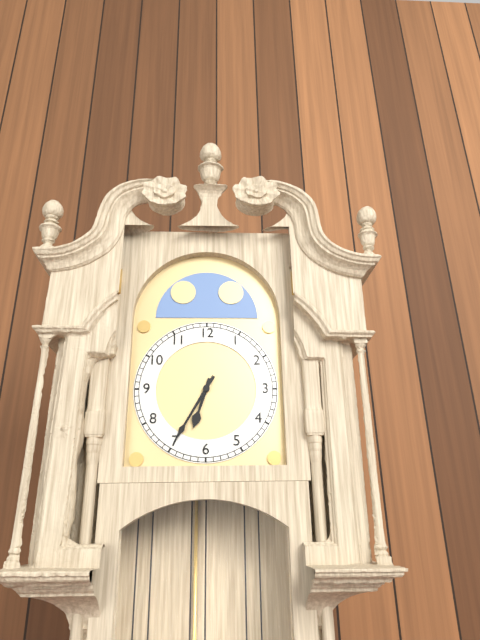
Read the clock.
6:35
